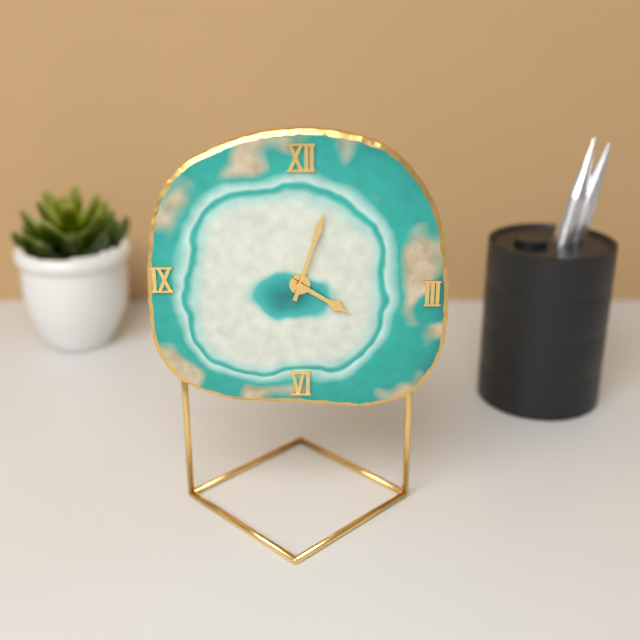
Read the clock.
4:03
